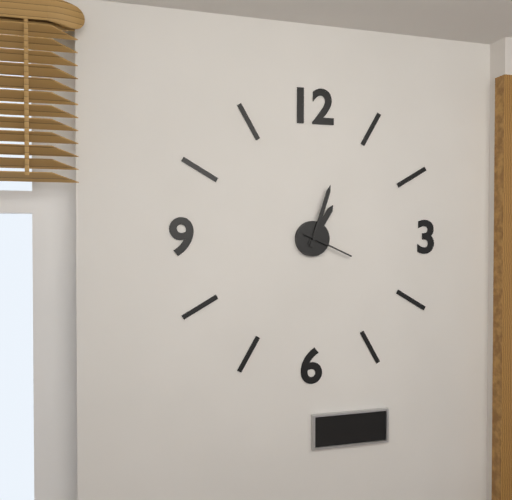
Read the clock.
1:03:19
